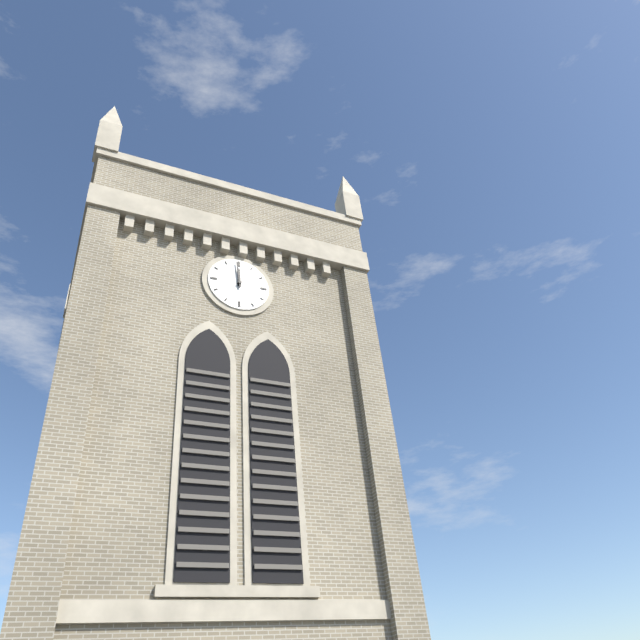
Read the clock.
11:59
